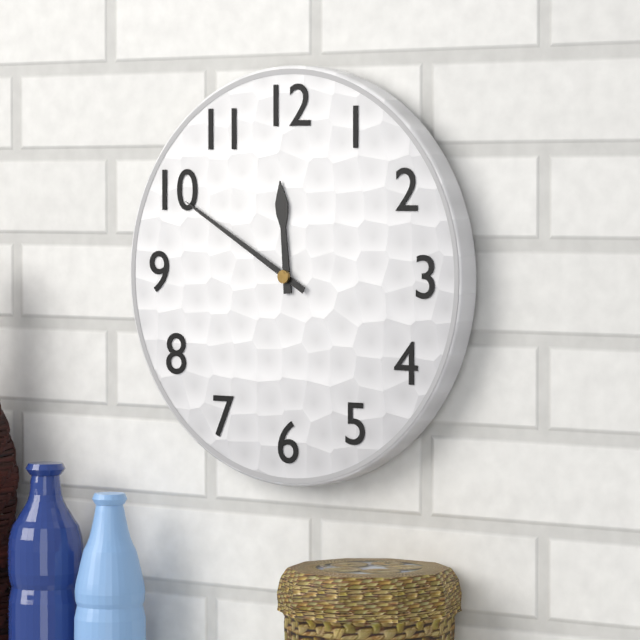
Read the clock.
11:50
